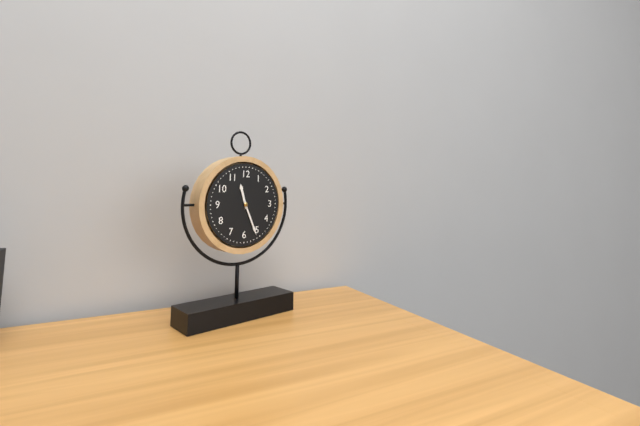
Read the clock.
11:26
